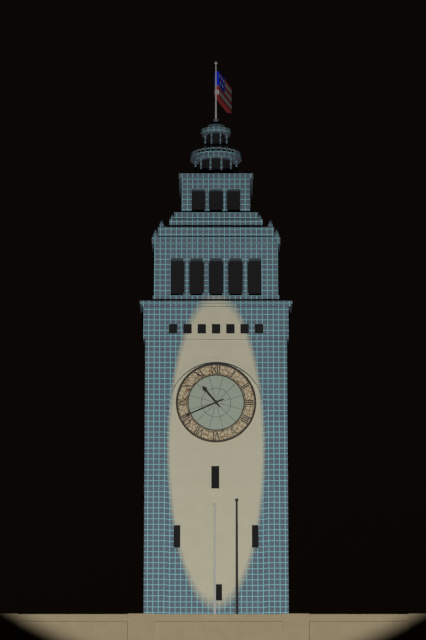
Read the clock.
10:41
